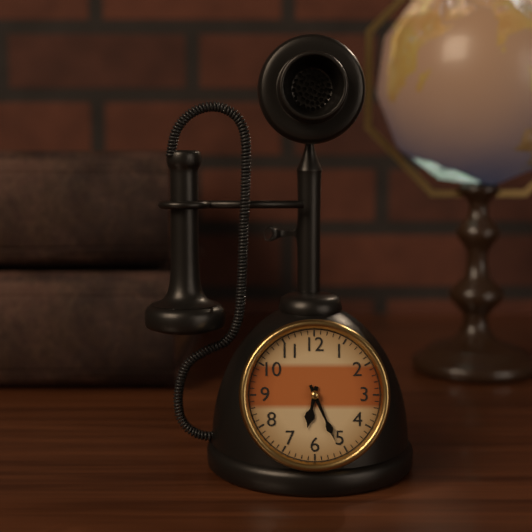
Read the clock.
6:26
